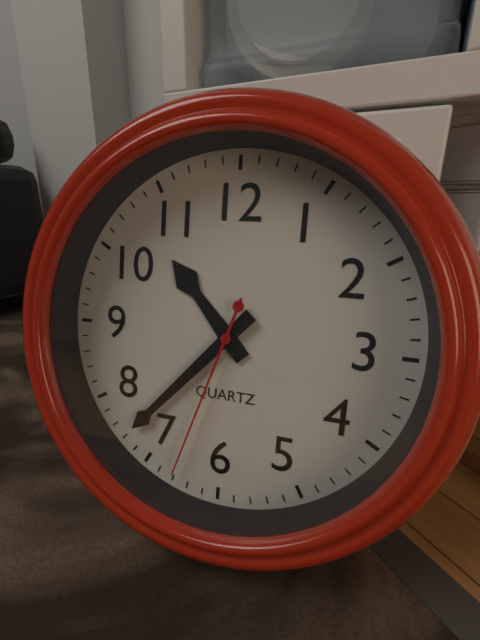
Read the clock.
10:37:33
